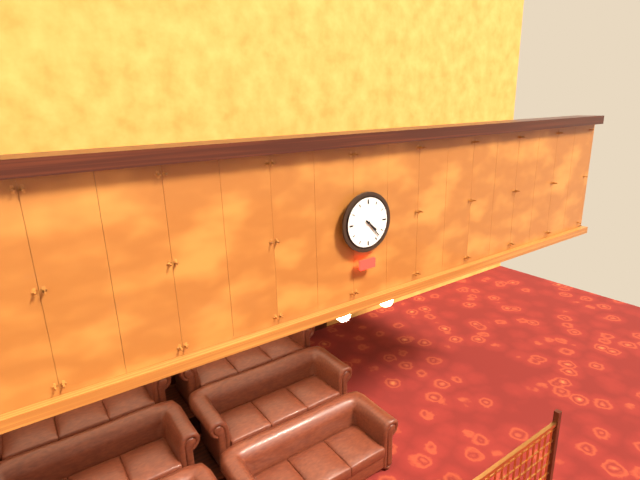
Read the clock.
4:23
